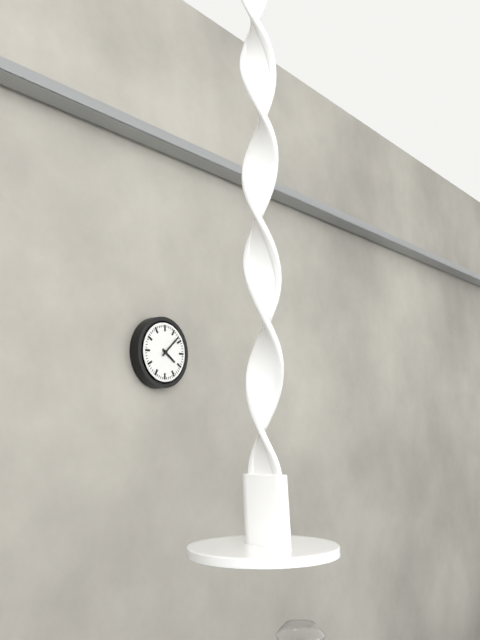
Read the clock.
4:08
